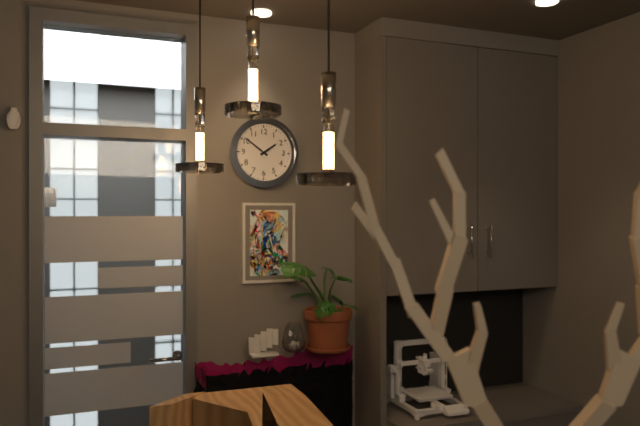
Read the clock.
1:51
